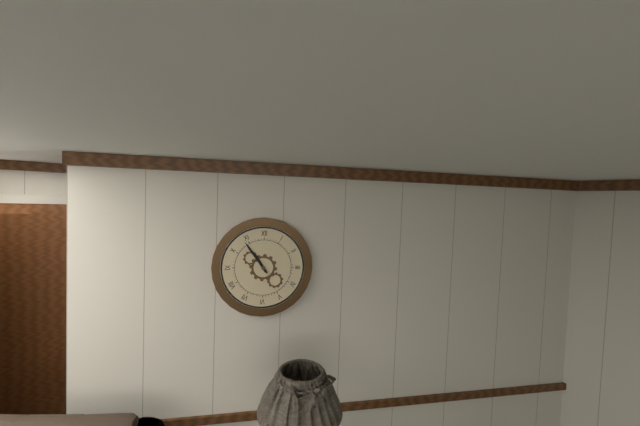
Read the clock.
10:54
